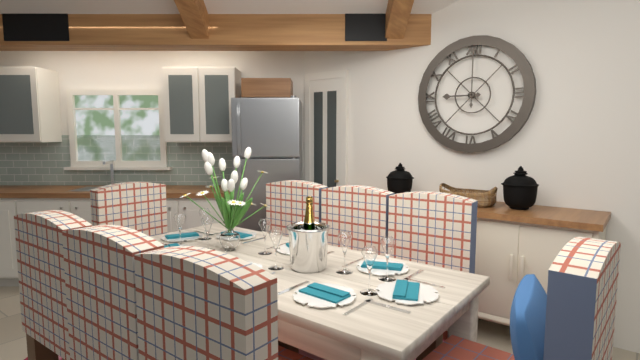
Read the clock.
9:00
